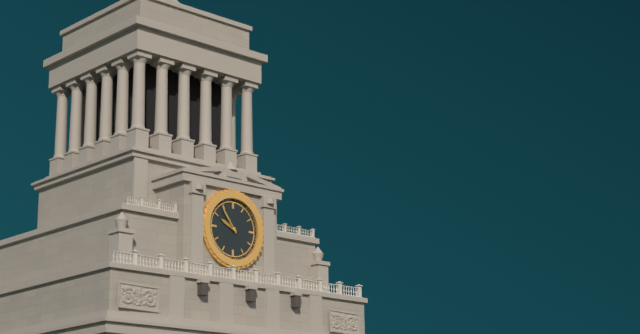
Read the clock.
9:54
